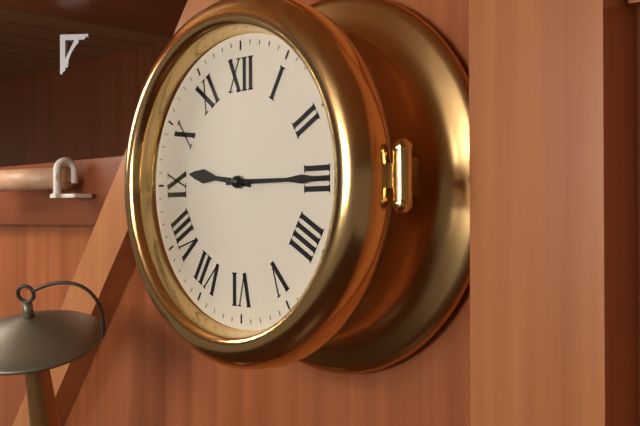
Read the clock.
9:15
